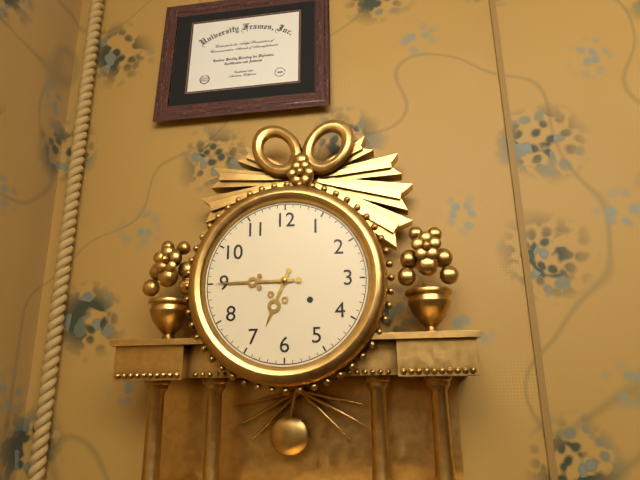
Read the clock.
6:45
